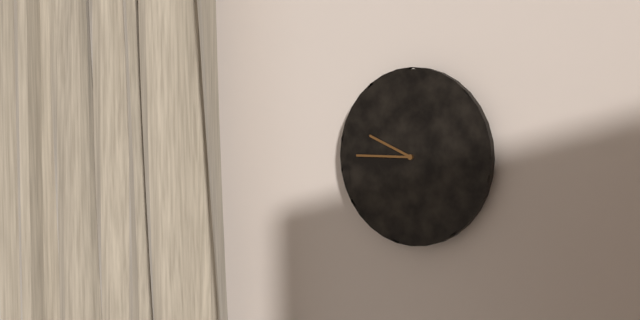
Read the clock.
9:45
